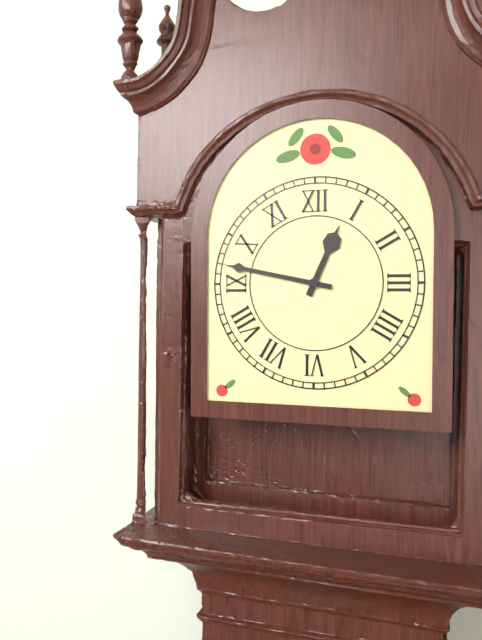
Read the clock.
12:47
